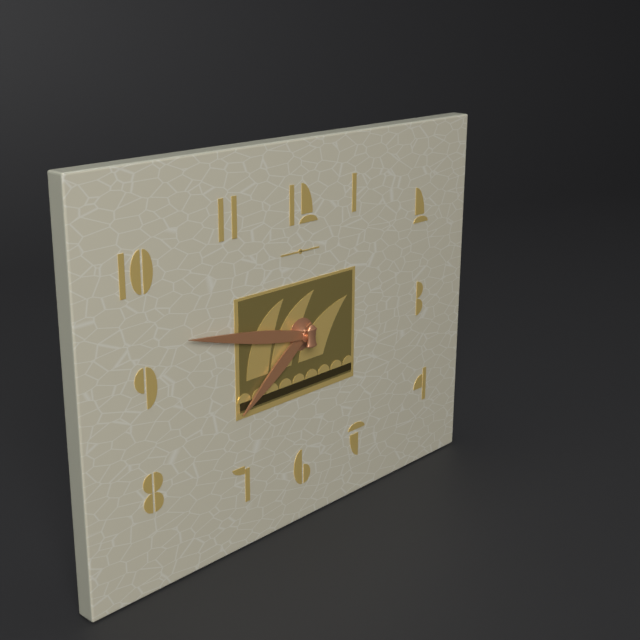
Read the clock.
7:47
